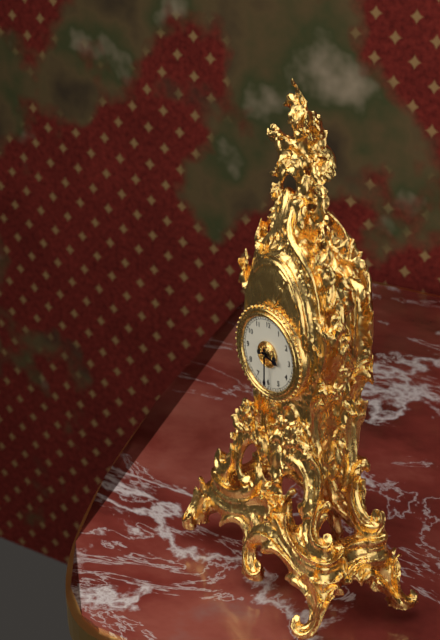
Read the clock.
3:30
